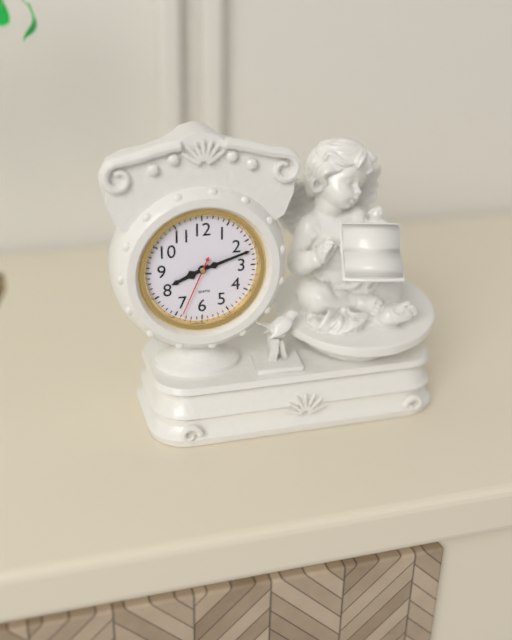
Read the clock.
8:12:34
